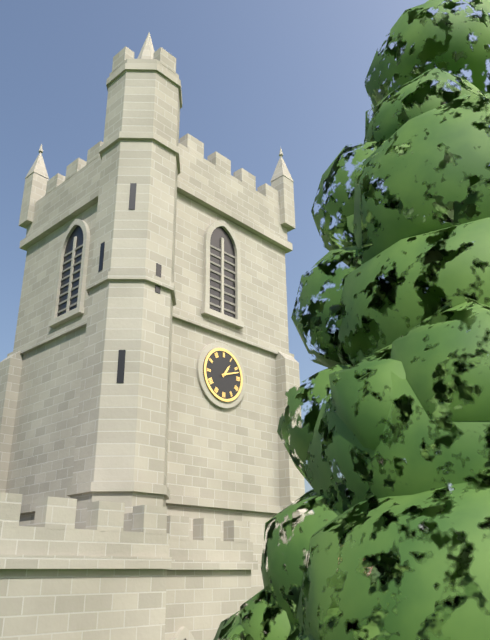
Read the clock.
1:12
